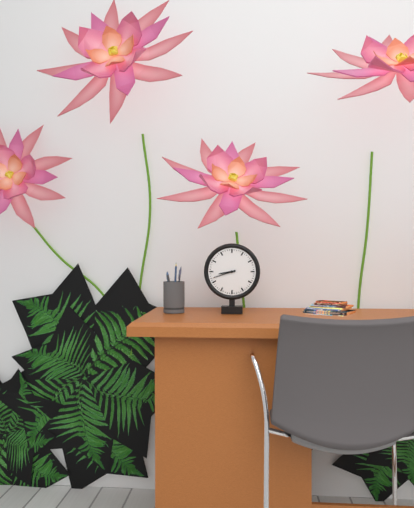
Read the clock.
8:42
